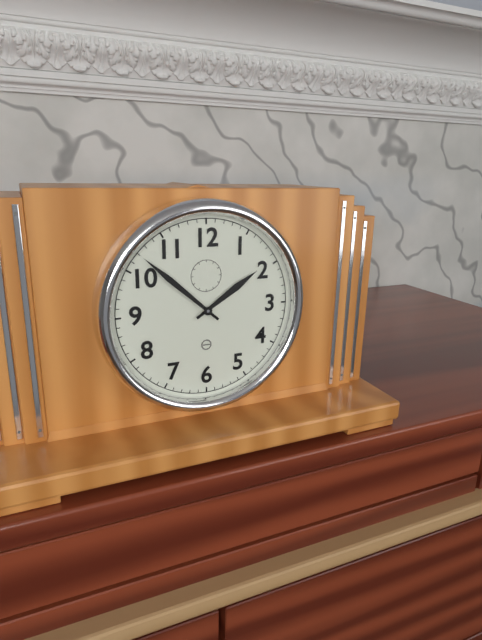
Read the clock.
1:52
